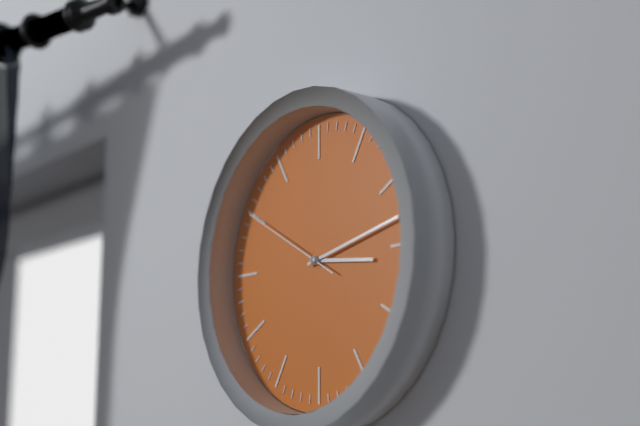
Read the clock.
3:13:50
